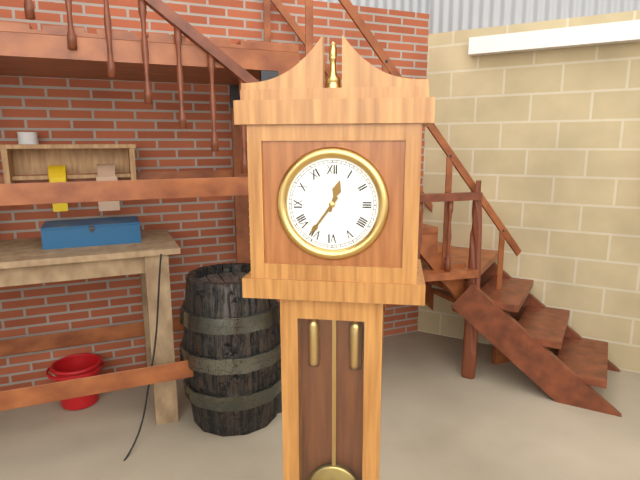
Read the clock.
12:36
